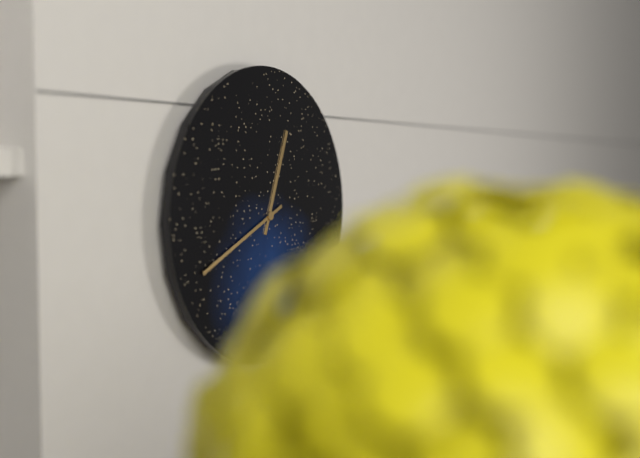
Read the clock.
12:41
